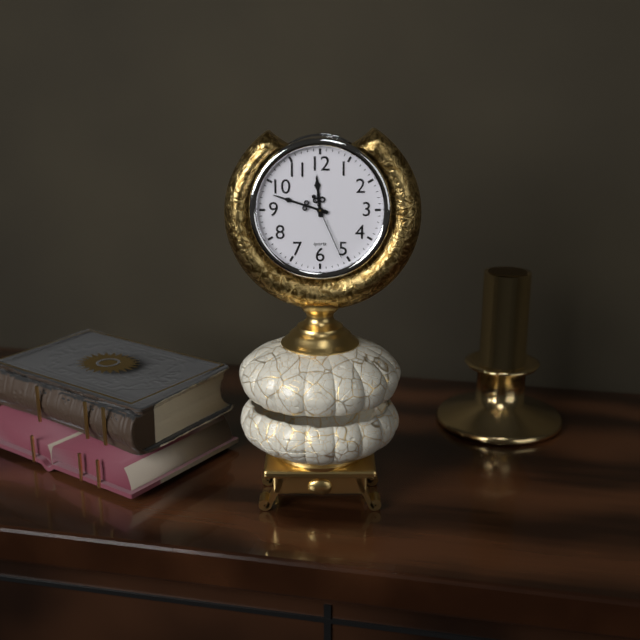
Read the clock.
11:48:26
